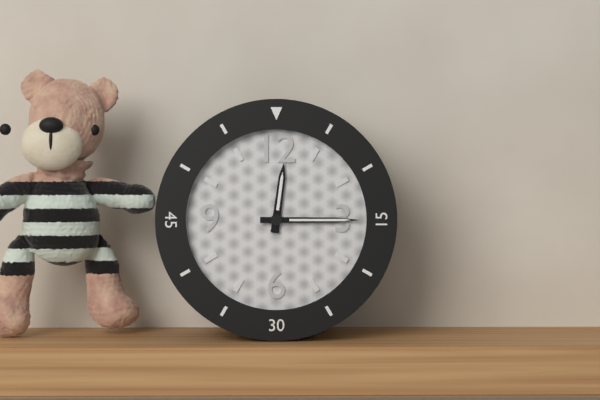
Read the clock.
12:15
